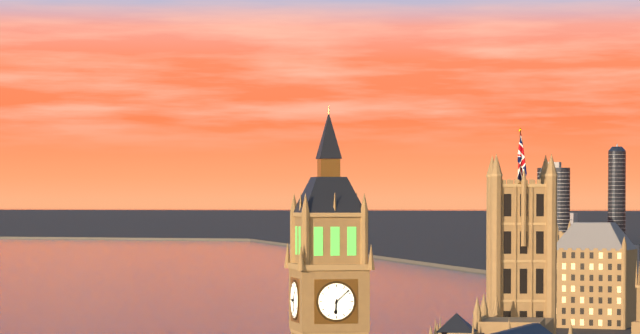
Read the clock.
6:08
